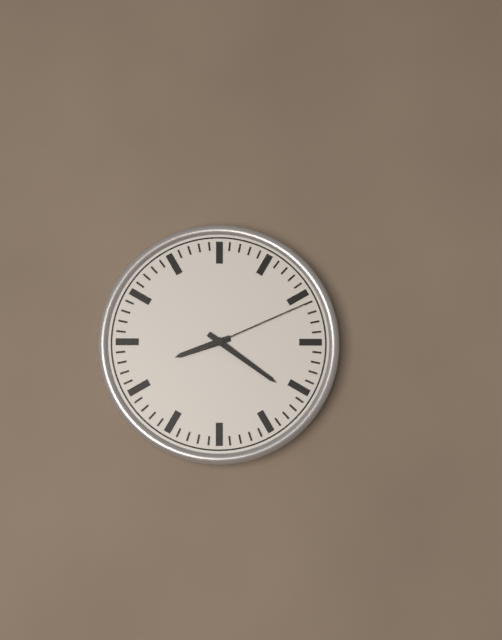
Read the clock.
8:21:11
